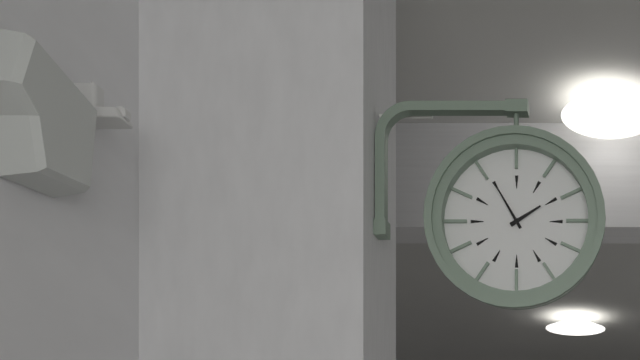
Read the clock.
1:55
